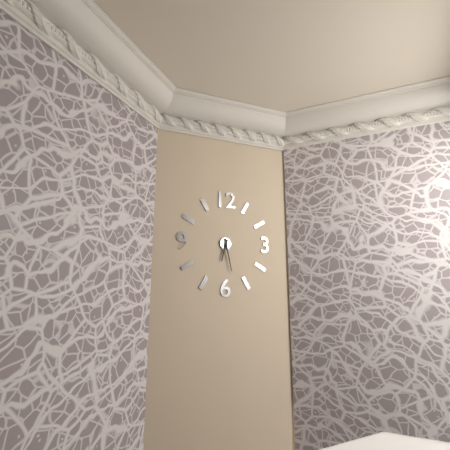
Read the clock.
6:28
